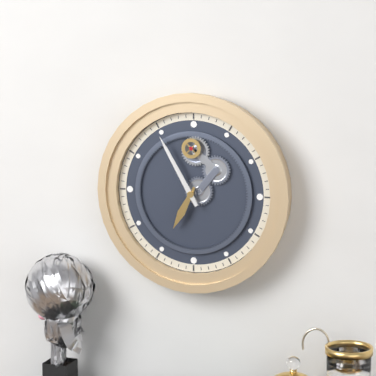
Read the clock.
6:55
